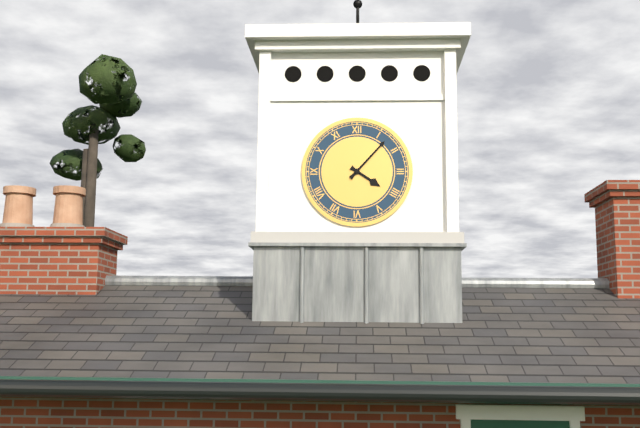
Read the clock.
4:07
